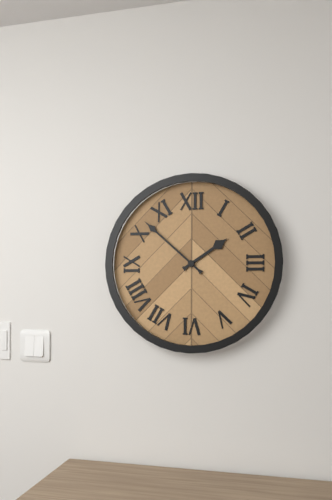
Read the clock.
1:52
